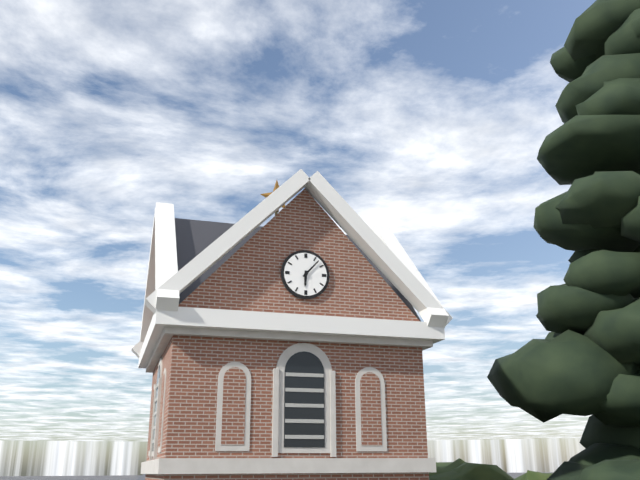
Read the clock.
6:07
